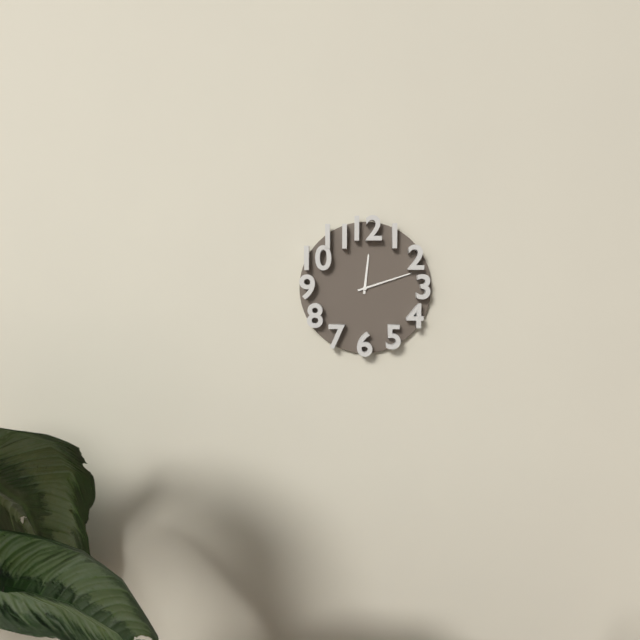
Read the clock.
12:12
